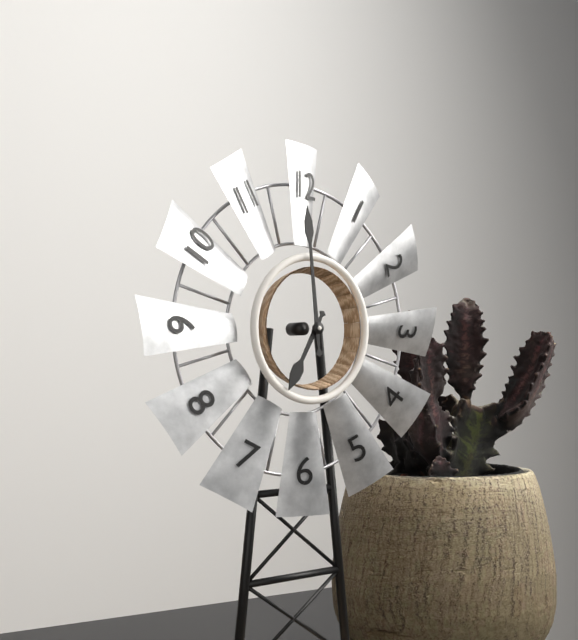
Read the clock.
6:59
